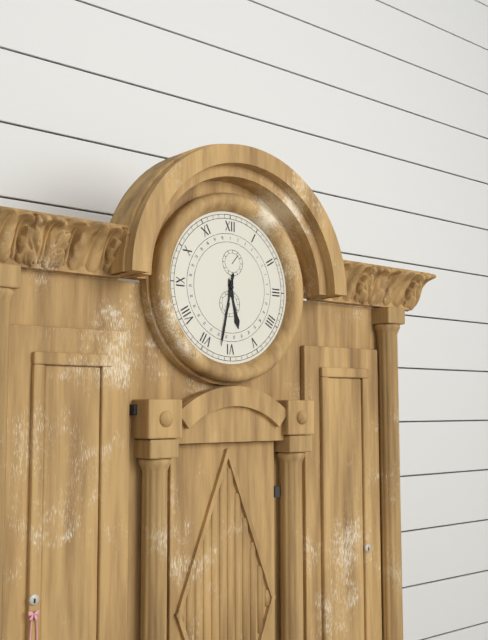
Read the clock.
5:32
